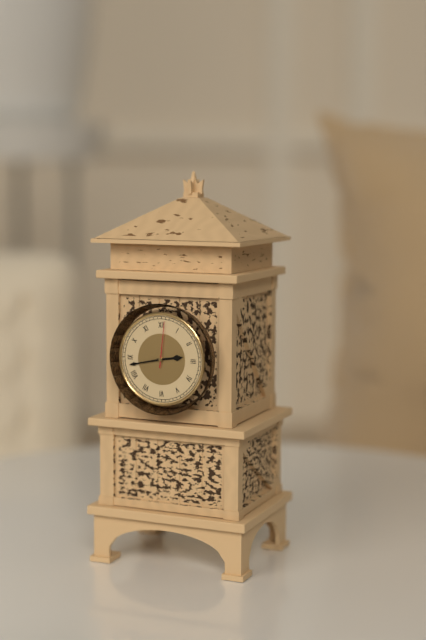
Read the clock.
2:43
